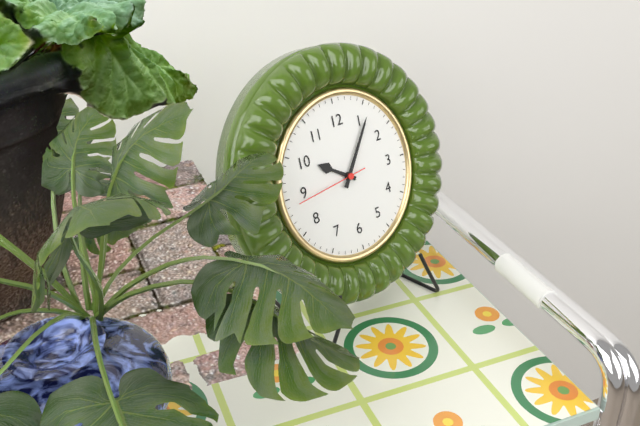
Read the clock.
10:06:44
